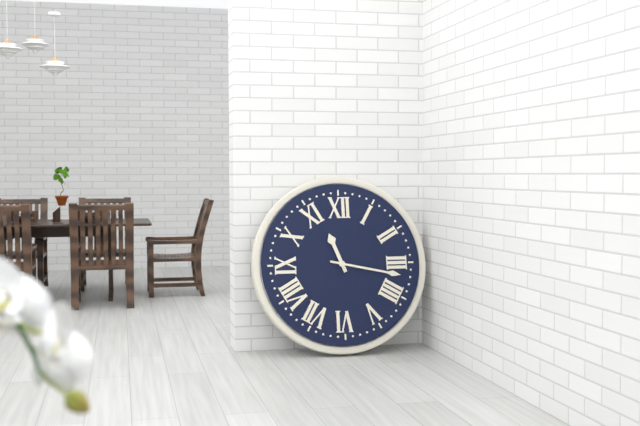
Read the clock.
11:17
